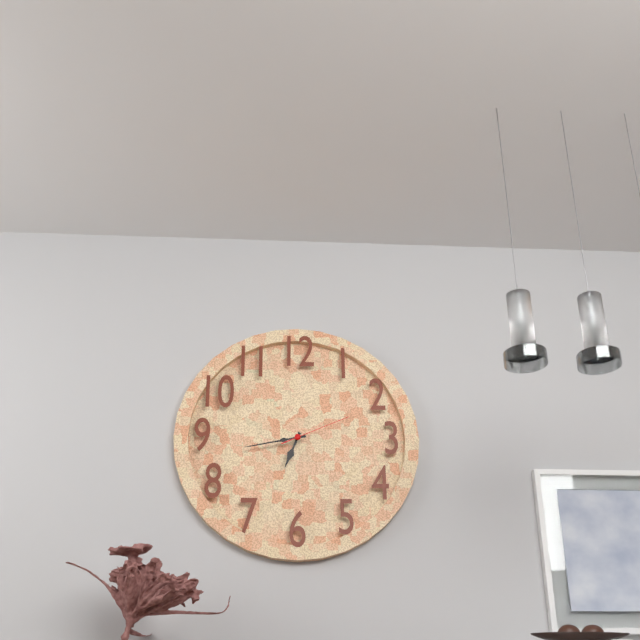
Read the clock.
6:43:11
